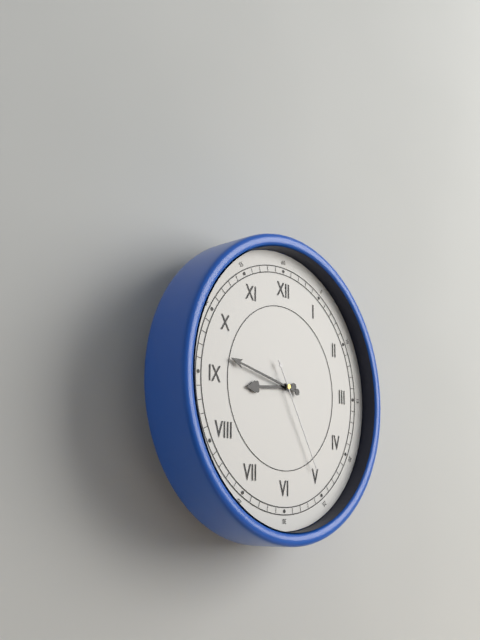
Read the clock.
8:47:25
